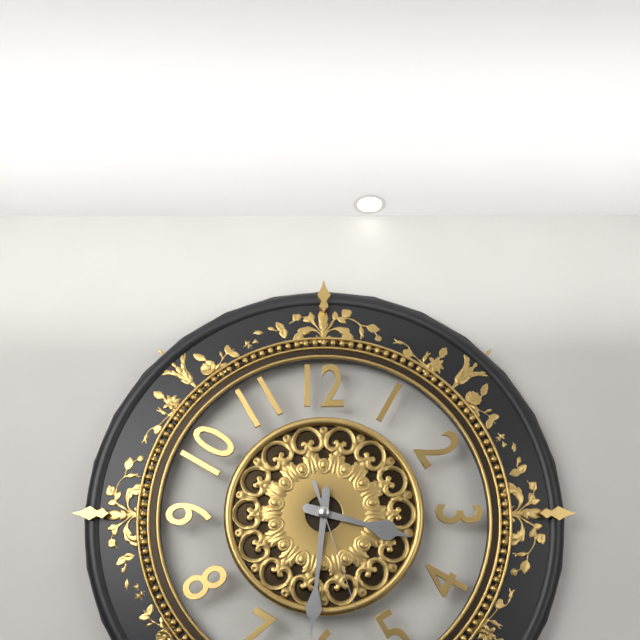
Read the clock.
3:31:27
